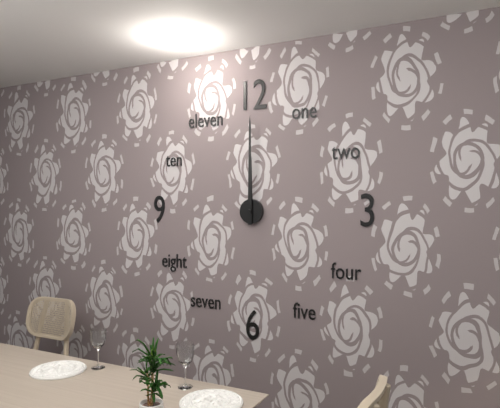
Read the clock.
12:00
